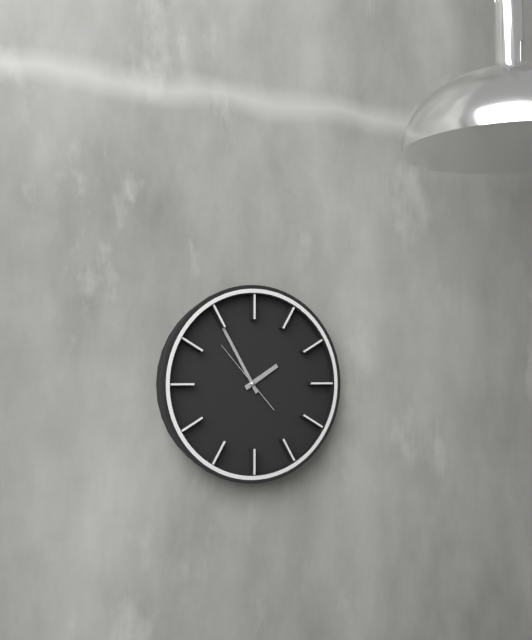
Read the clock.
1:55:53
